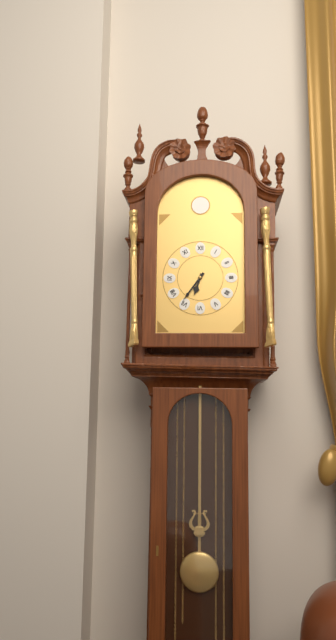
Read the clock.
6:36
